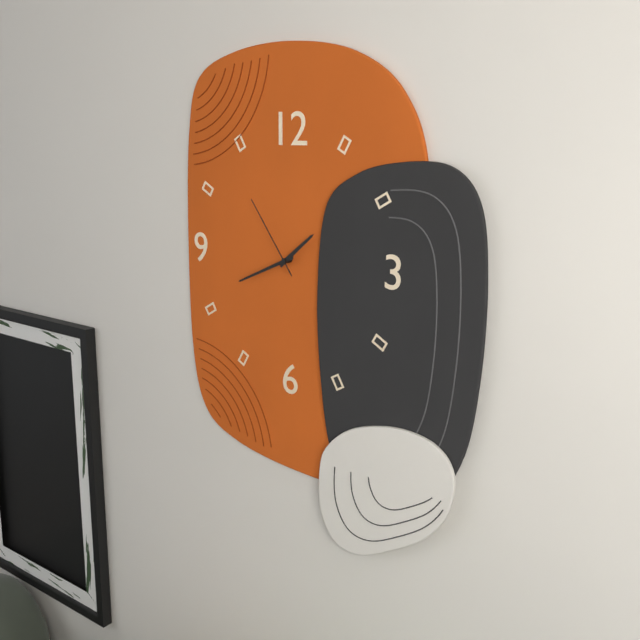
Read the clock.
1:41:54
